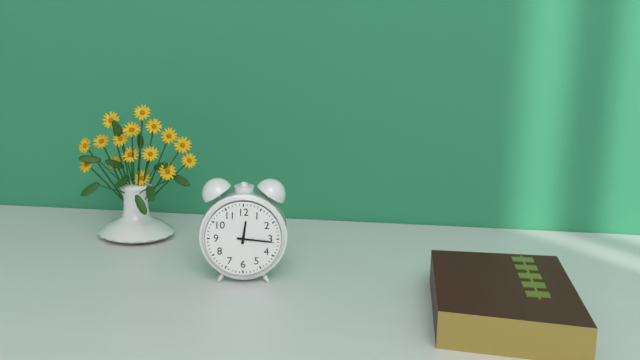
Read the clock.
12:16
